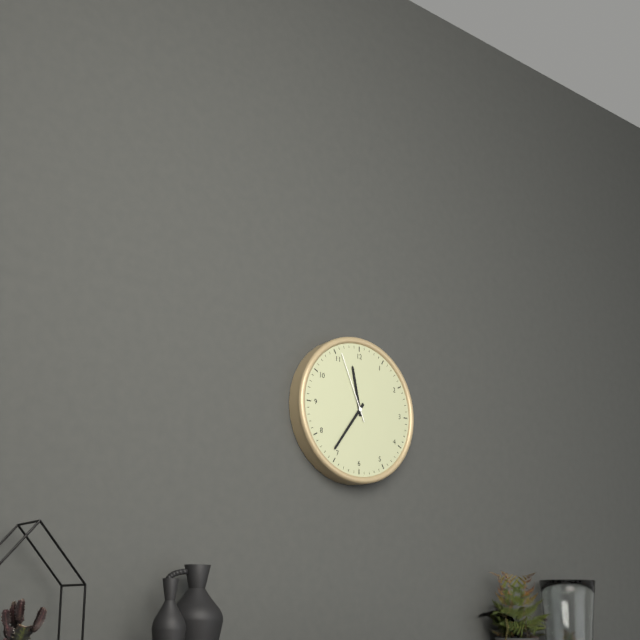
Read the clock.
11:36:56
